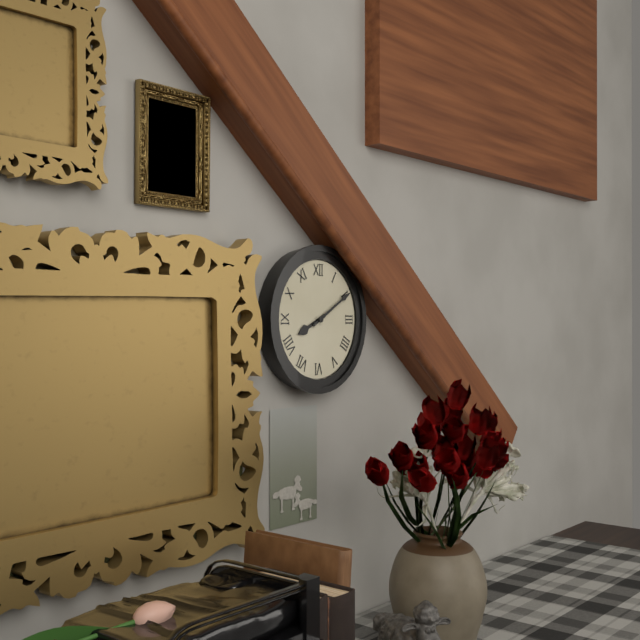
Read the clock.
8:10
